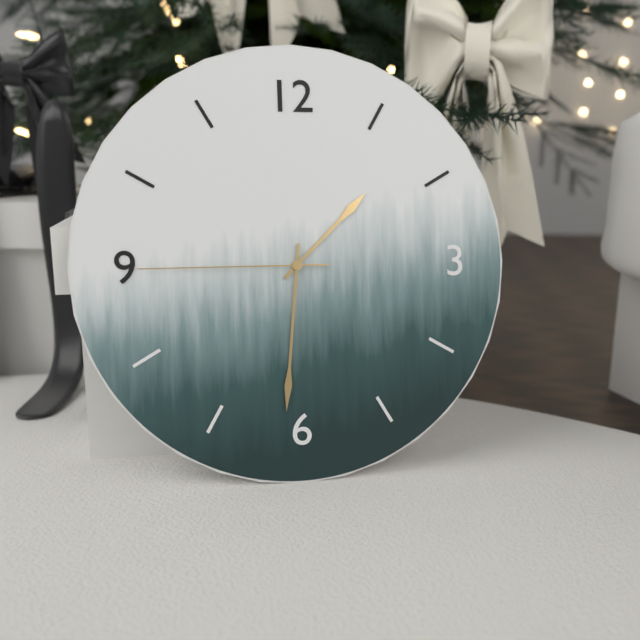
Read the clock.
1:31:45
